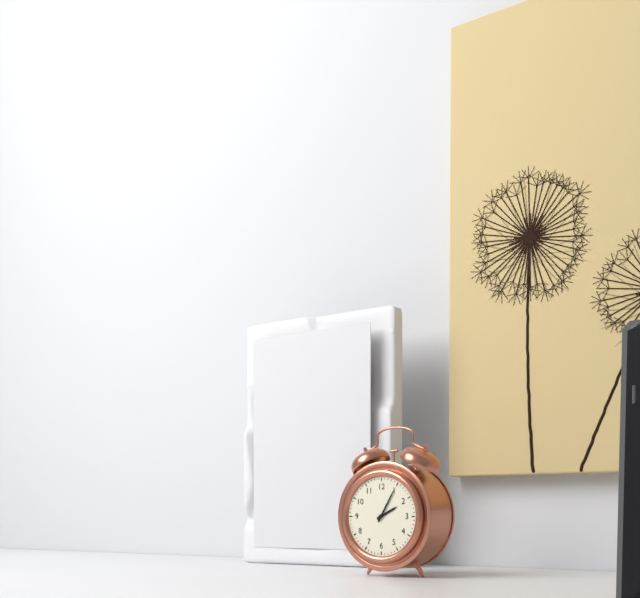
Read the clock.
2:05
